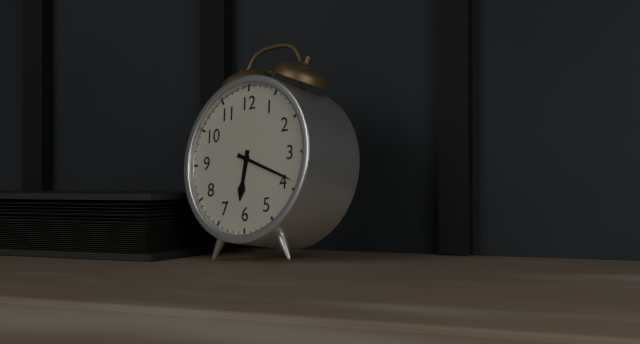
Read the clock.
6:19
